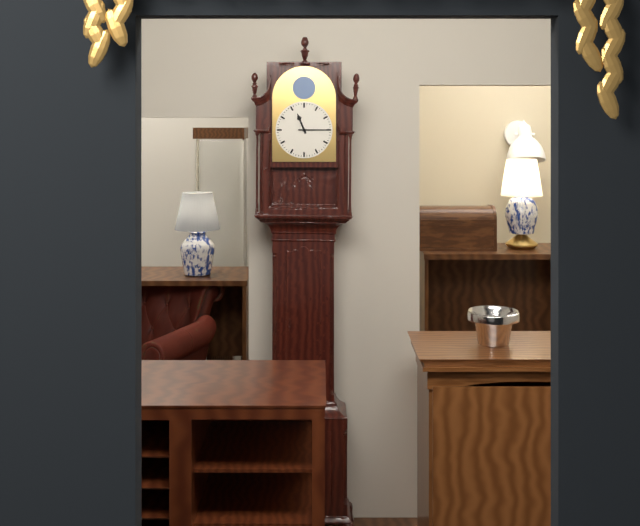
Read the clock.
11:15
